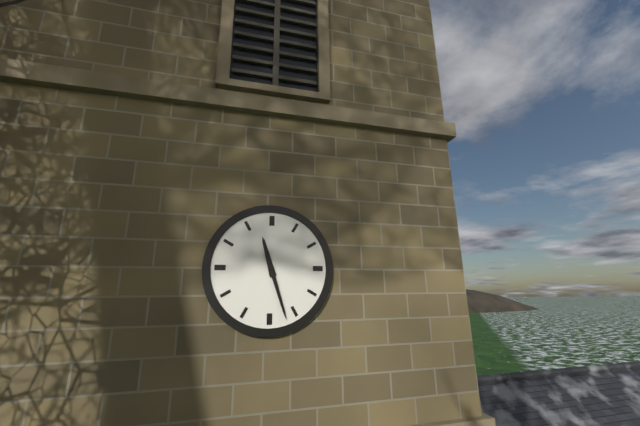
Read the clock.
11:27
